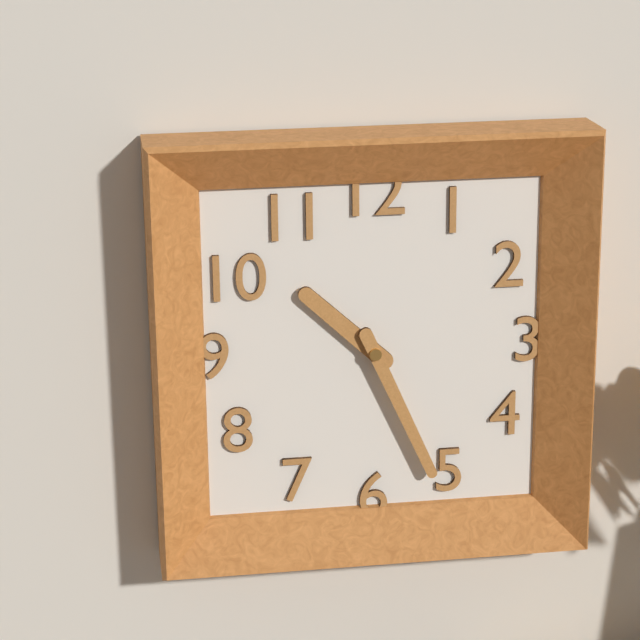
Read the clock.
10:26
